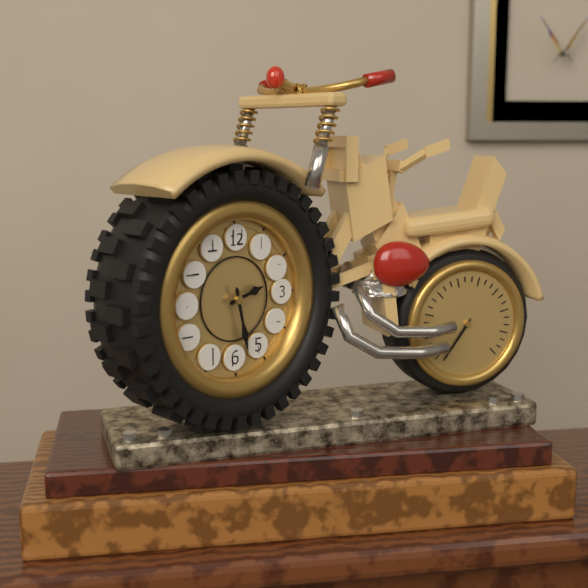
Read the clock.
2:28
